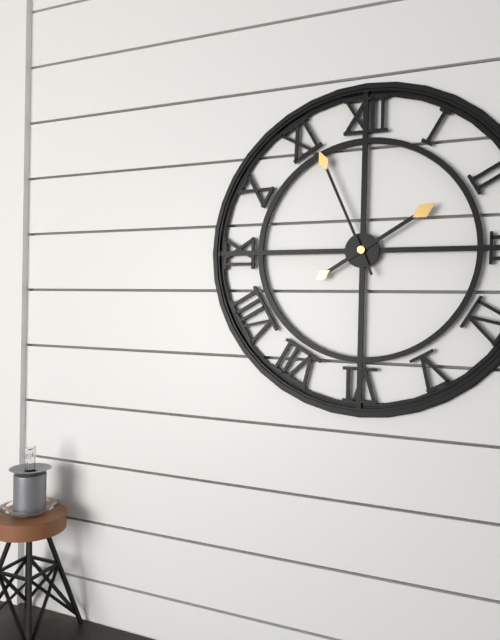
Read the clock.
1:56
